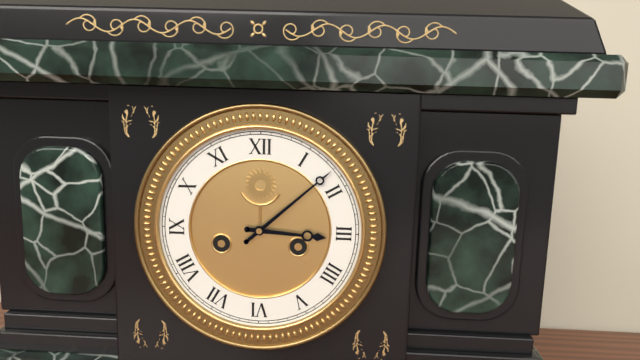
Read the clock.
3:08
